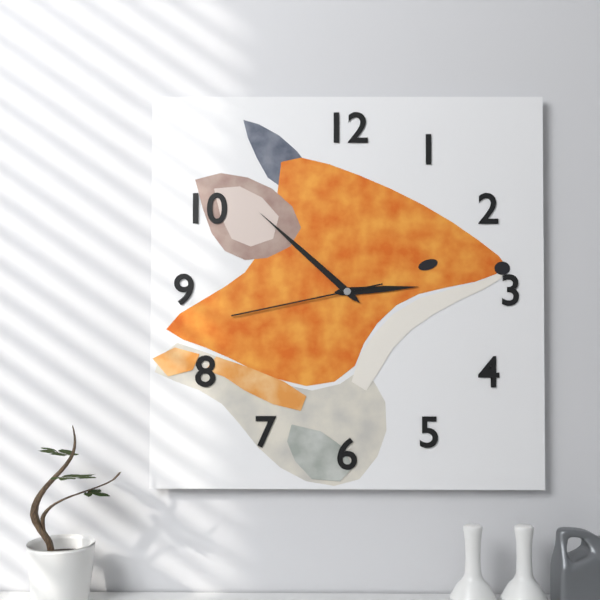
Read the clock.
2:52:43
